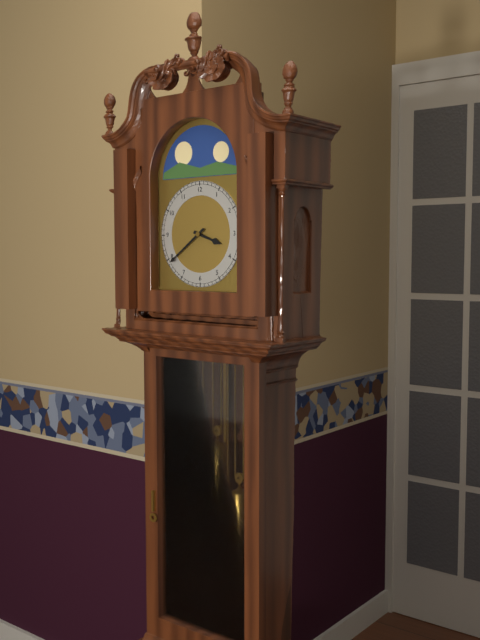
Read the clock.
3:39
